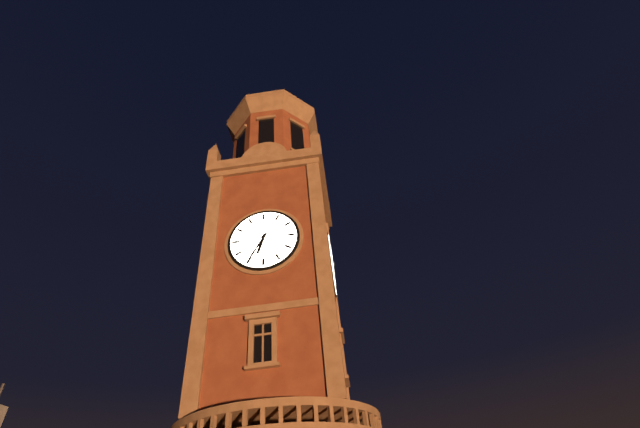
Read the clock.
6:35
